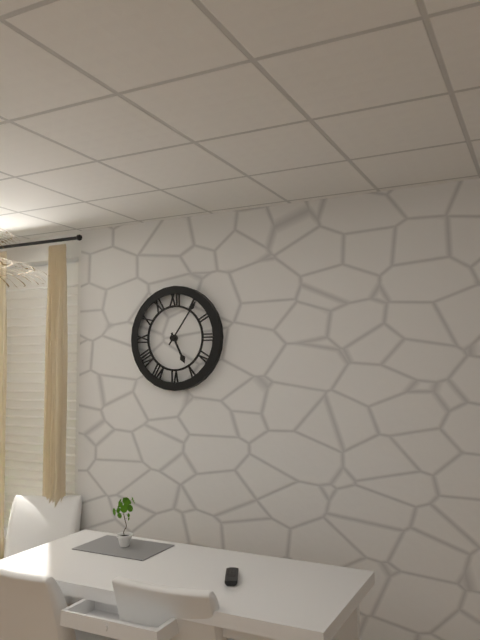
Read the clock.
5:06
